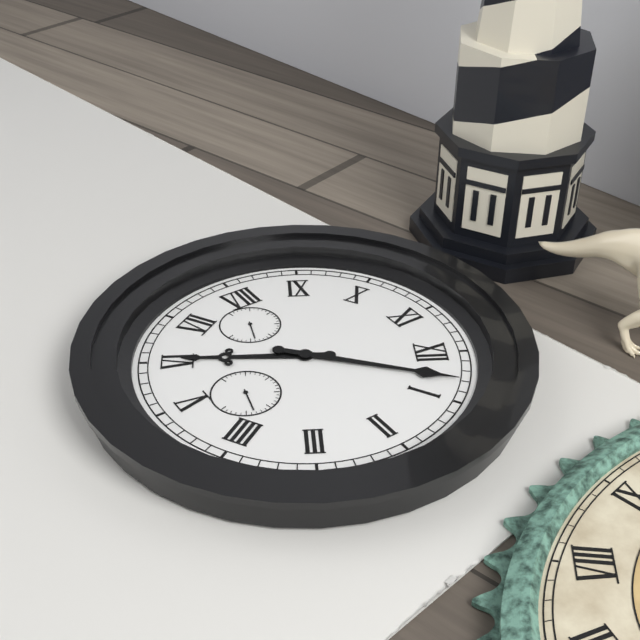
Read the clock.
6:03
